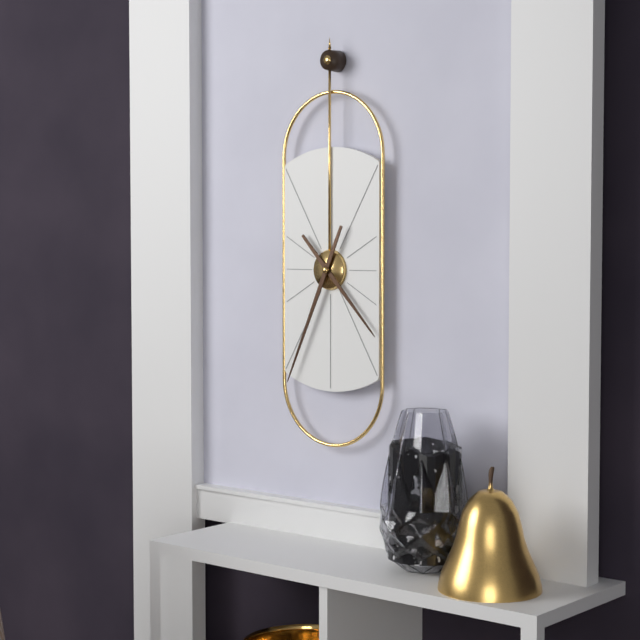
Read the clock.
4:34
